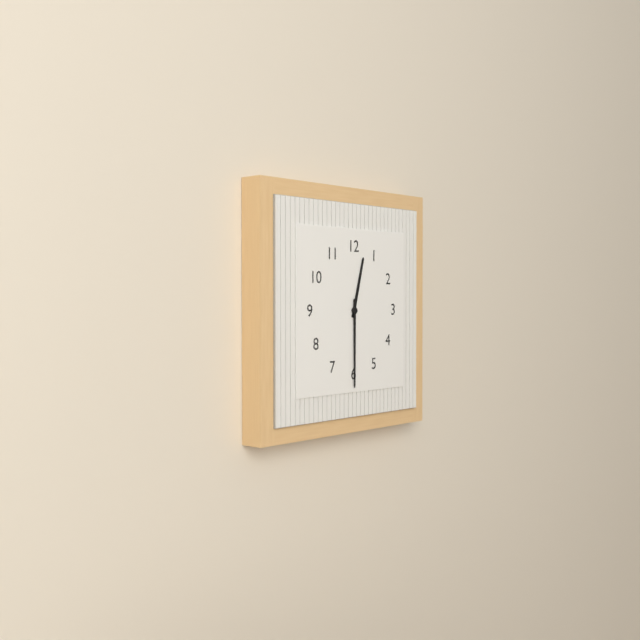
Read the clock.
12:30
